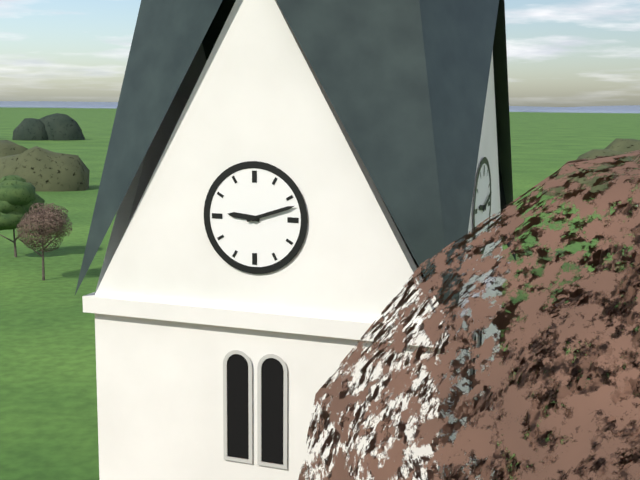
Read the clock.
9:12
